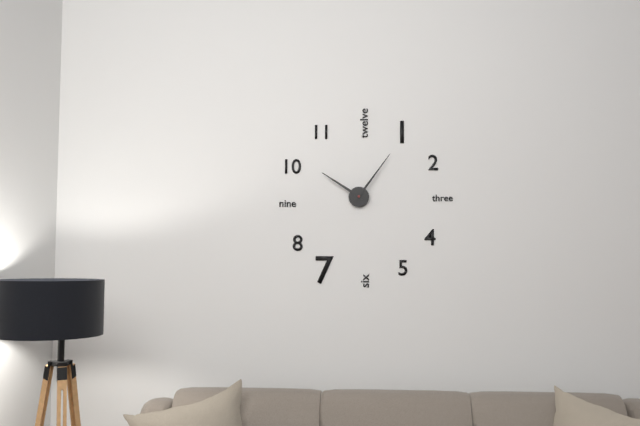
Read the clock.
10:06
